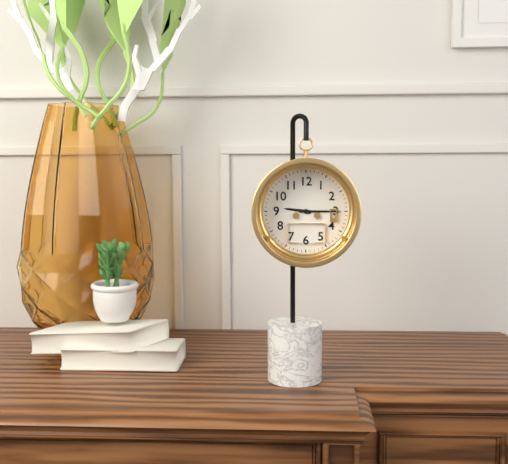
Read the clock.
9:15
